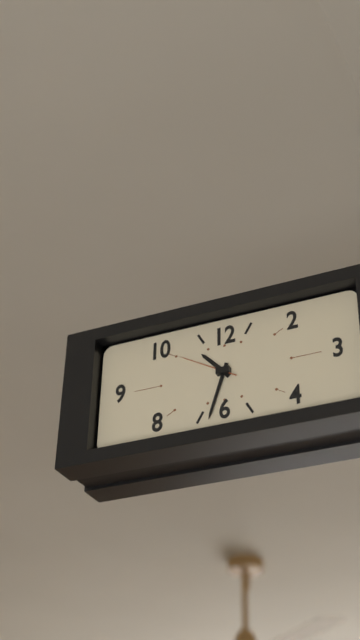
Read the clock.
10:33:50
